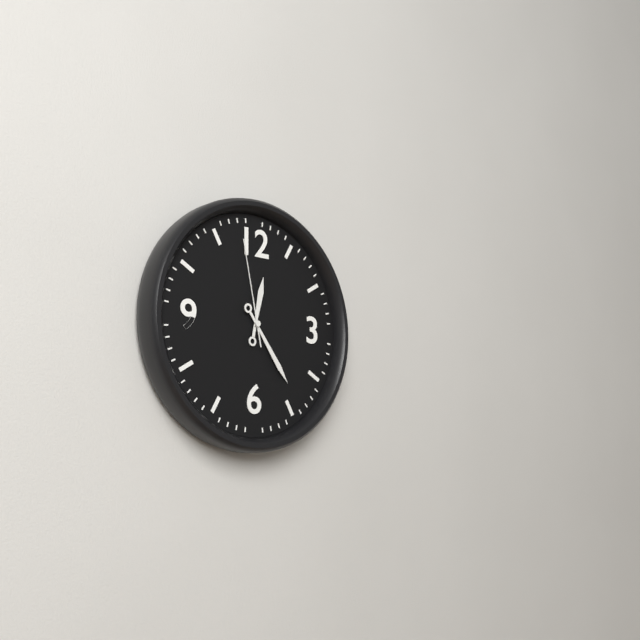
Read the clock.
12:24:58
